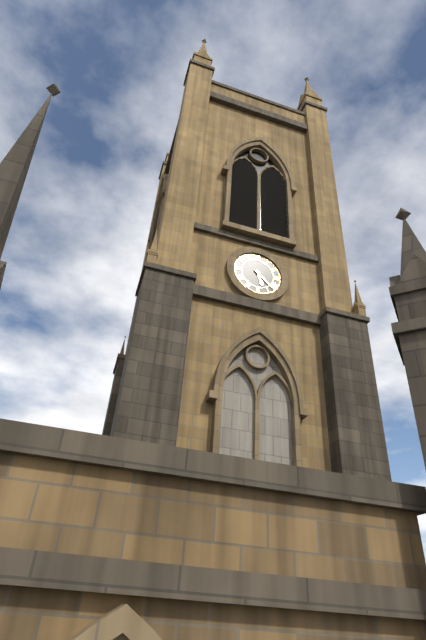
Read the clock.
5:22
